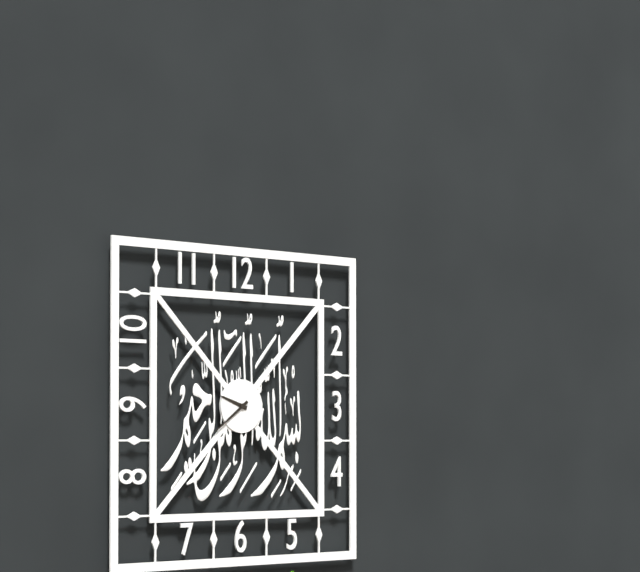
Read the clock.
9:39
